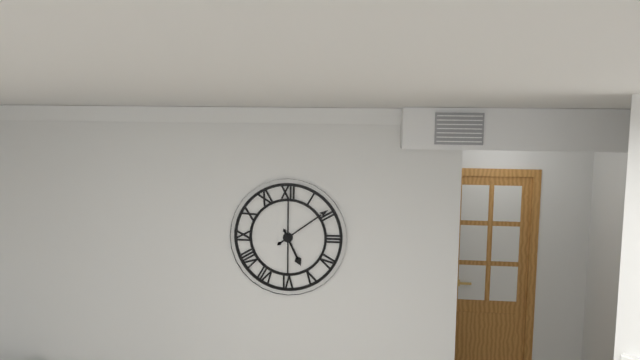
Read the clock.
5:09
